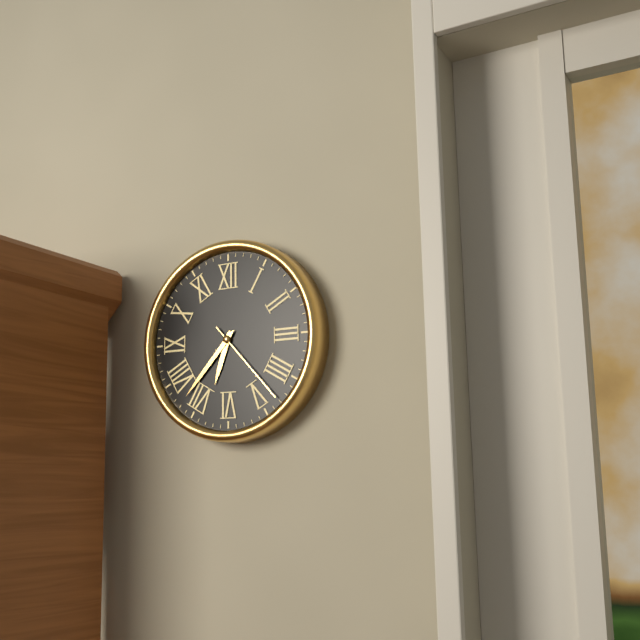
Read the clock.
6:37:23
